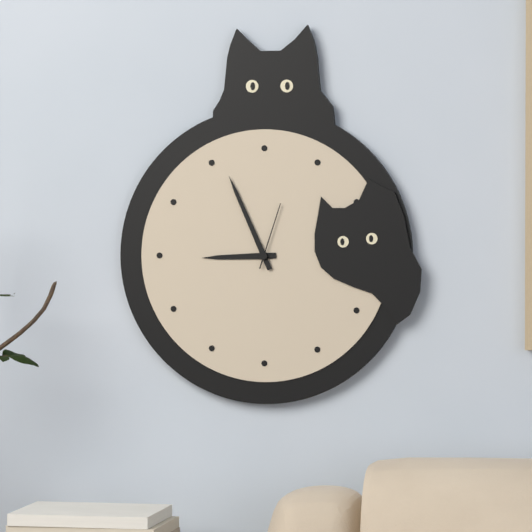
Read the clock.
8:56:03
